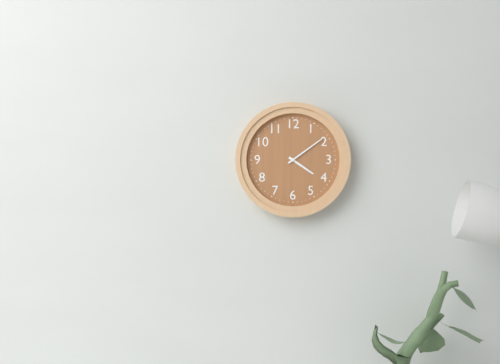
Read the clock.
4:09
